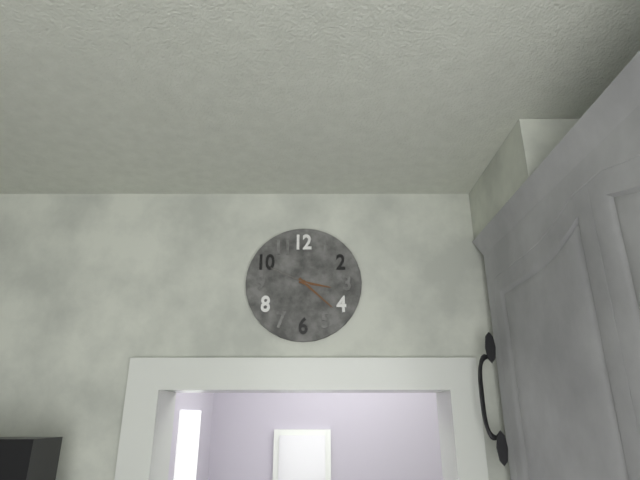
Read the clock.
3:22
